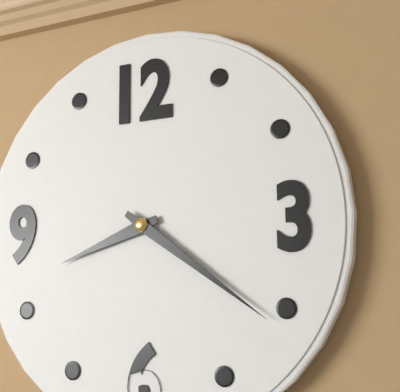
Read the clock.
8:21
